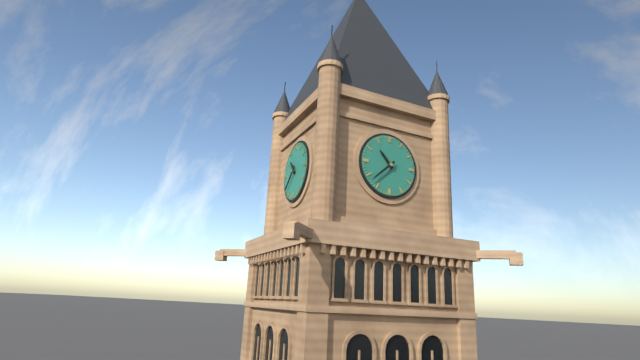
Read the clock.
10:38
